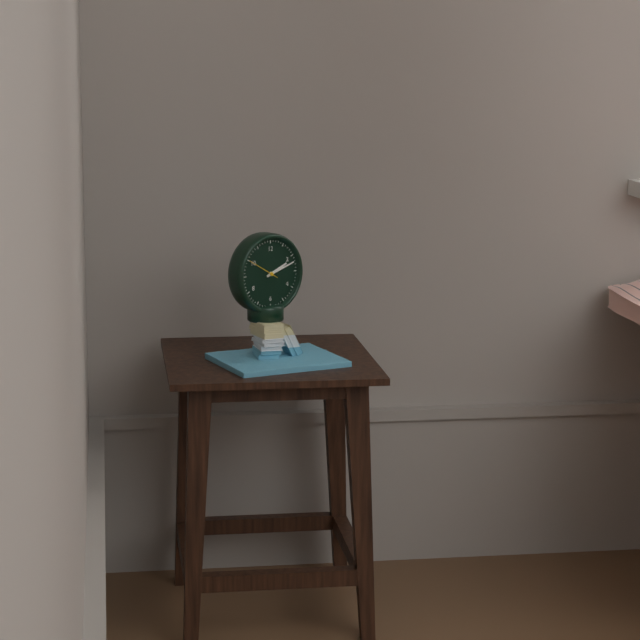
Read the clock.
2:12
